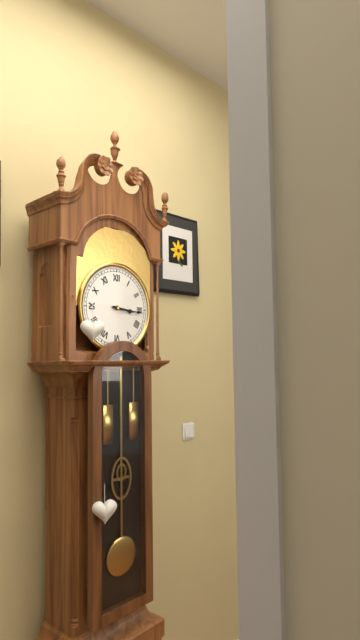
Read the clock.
3:16
